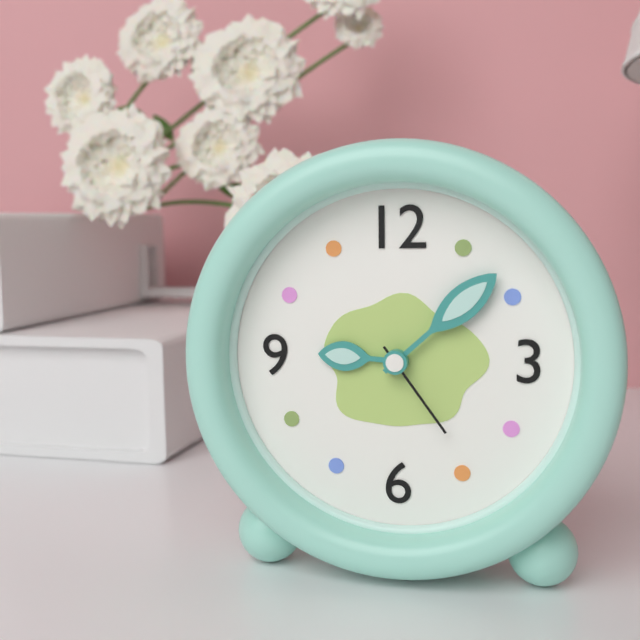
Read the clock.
9:08:24
